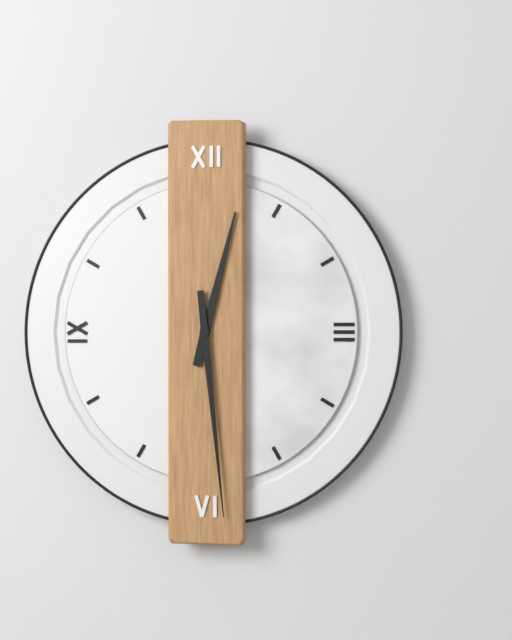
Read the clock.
12:29
